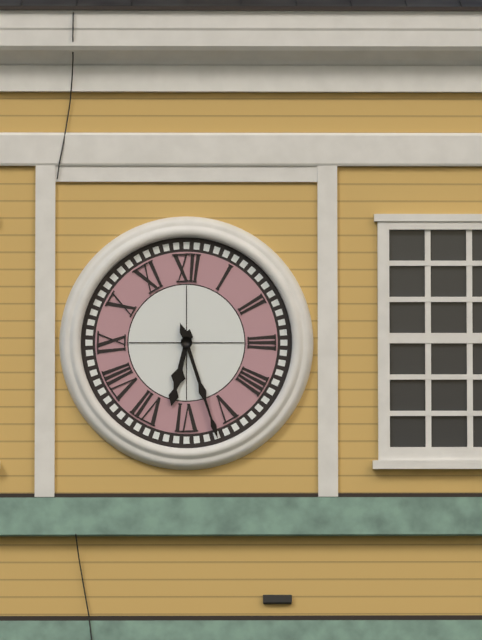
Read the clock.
6:27
